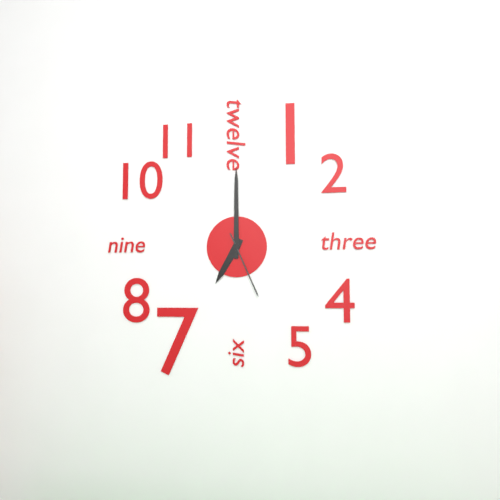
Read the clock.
7:00:26
